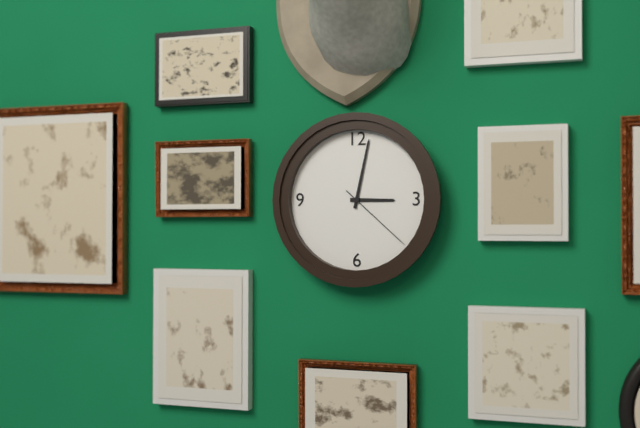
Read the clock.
3:02:22
